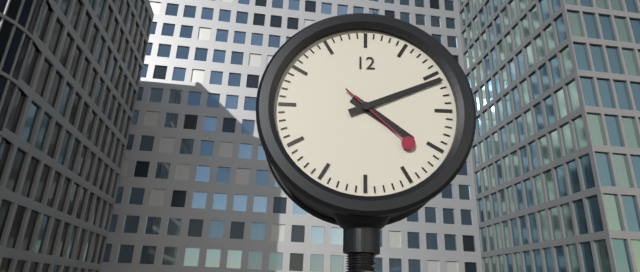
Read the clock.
4:11:22
